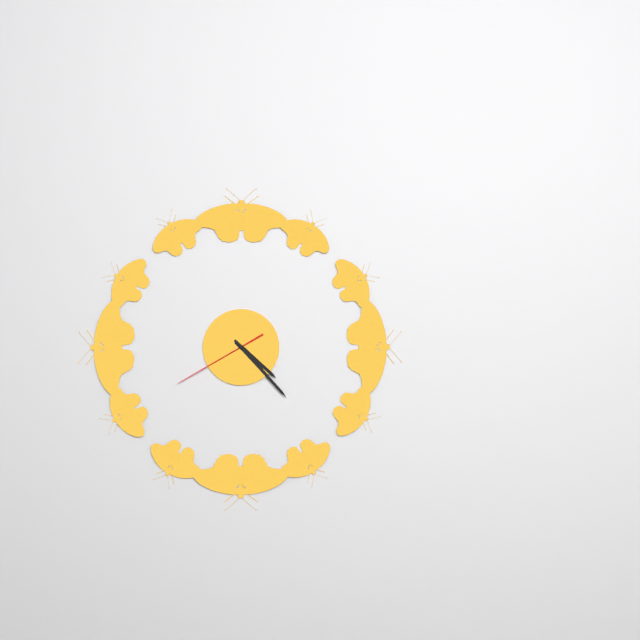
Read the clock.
4:23:40
